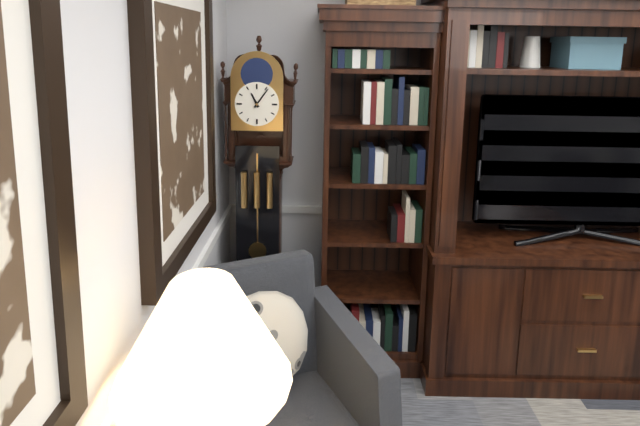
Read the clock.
11:06
